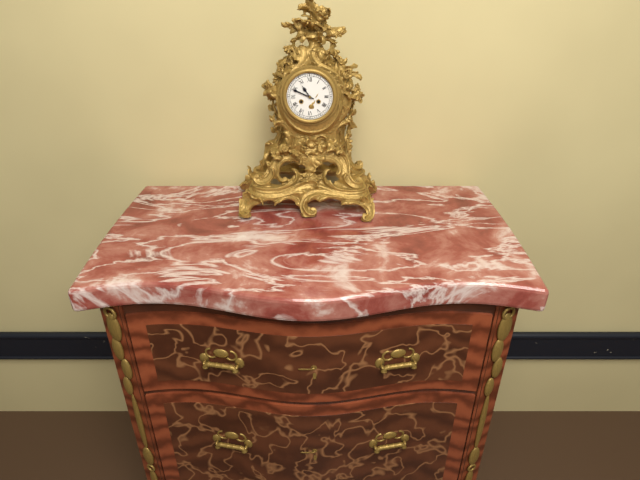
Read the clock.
10:49
